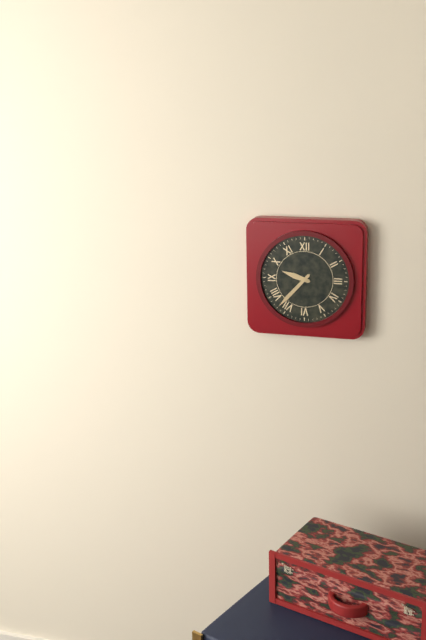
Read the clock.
9:37
